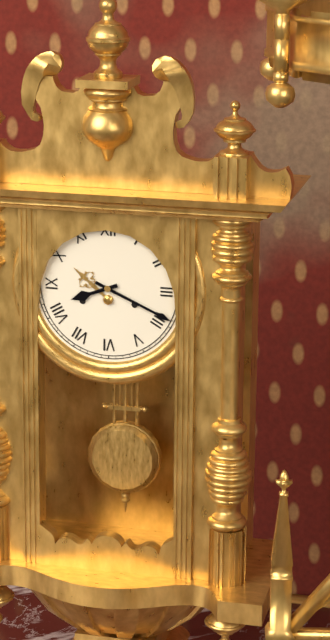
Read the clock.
8:19
